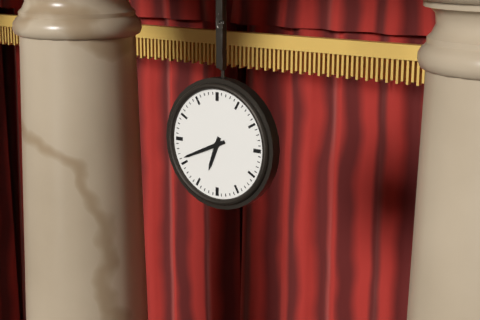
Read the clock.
6:41
